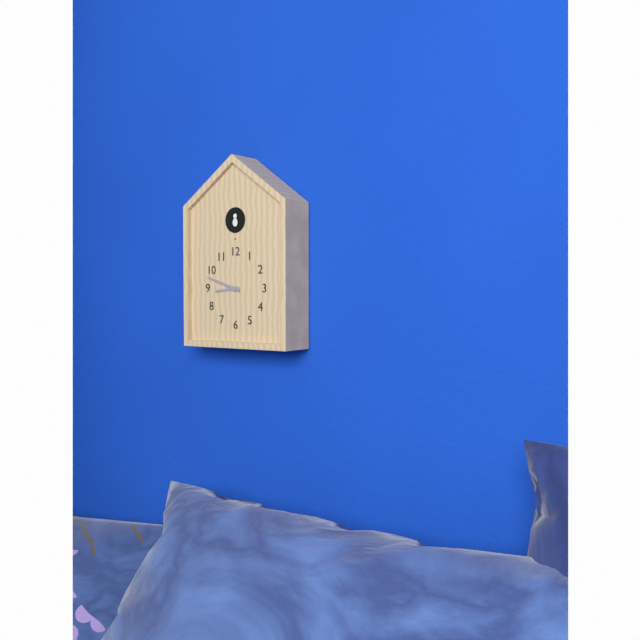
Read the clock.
8:48
